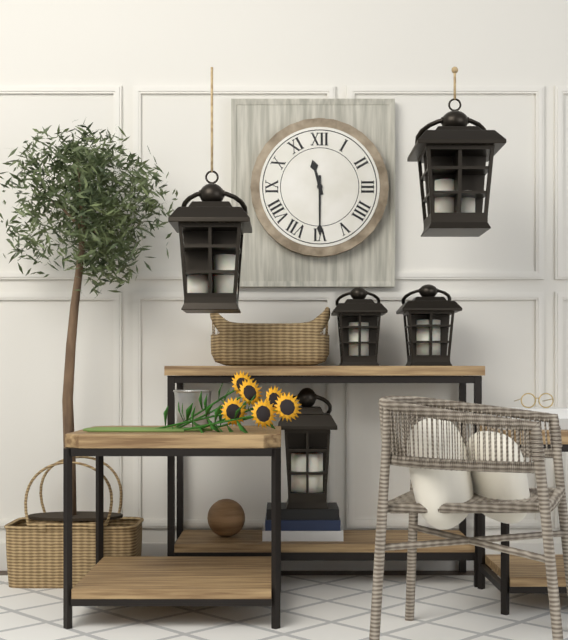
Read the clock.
11:30
